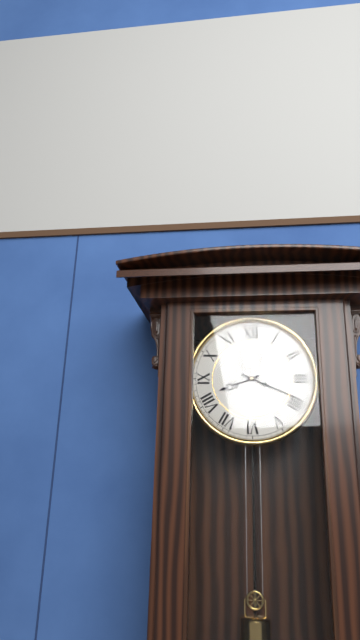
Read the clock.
8:19
